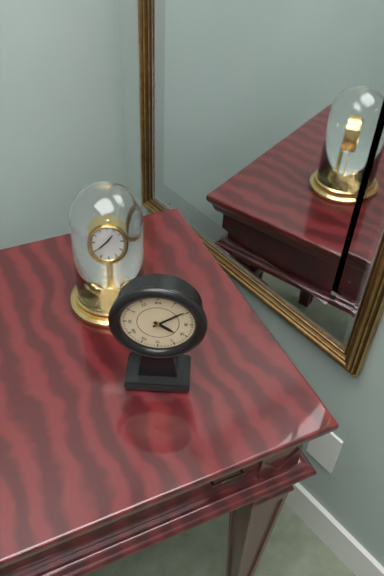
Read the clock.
4:09
